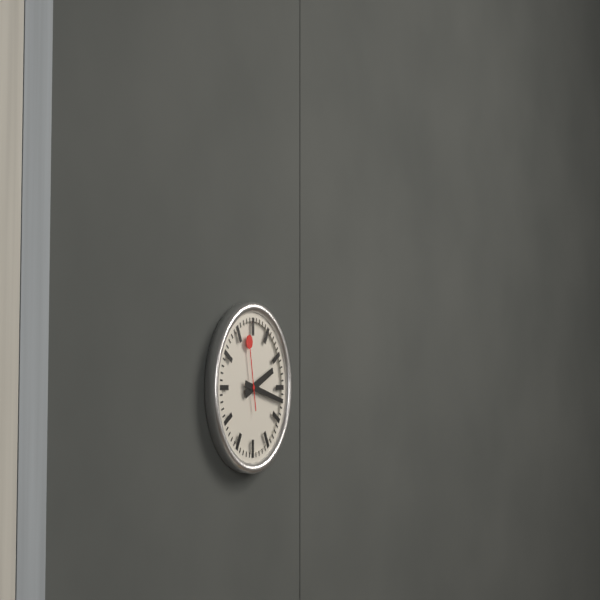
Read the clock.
2:17:58
